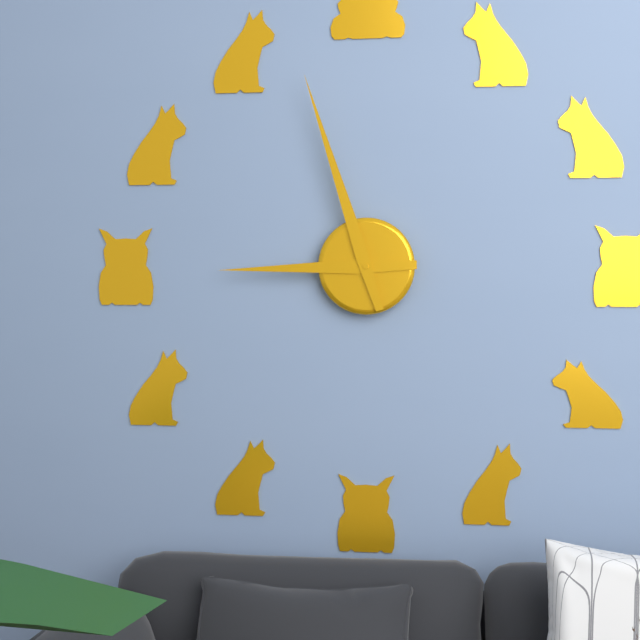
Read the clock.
8:57
